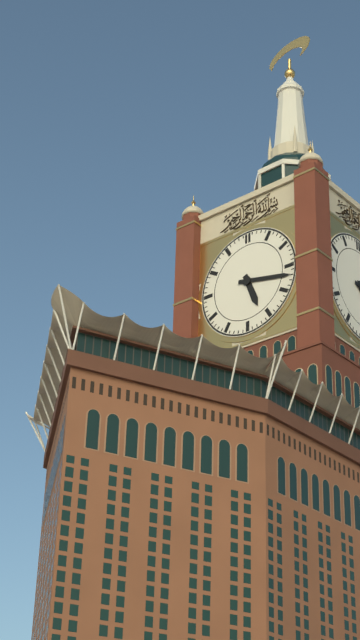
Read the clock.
5:17
